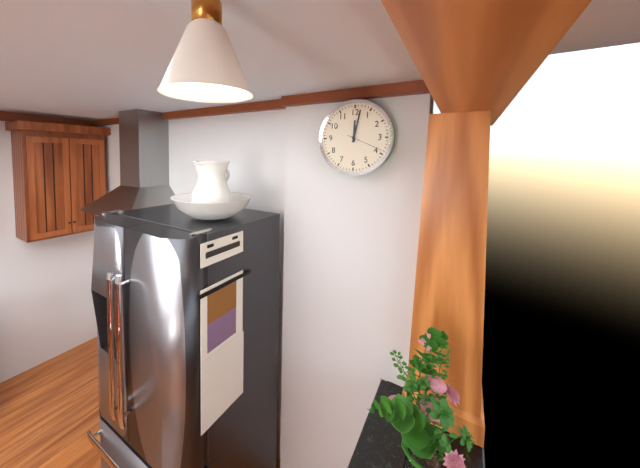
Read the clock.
12:02
